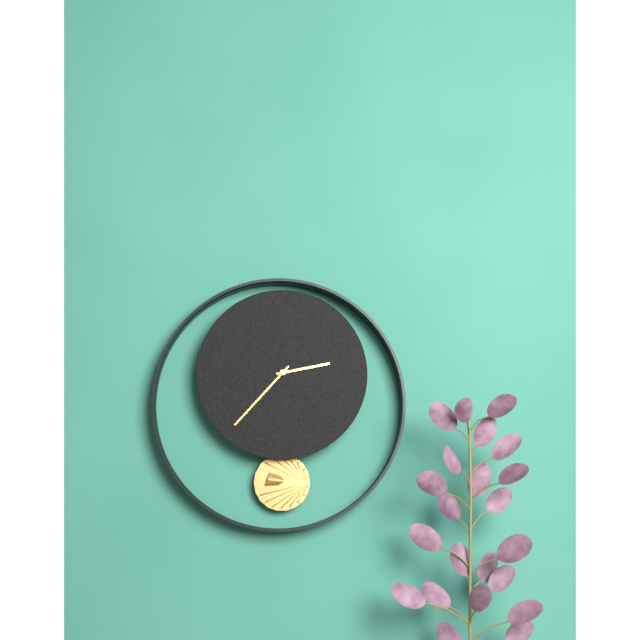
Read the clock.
2:37
